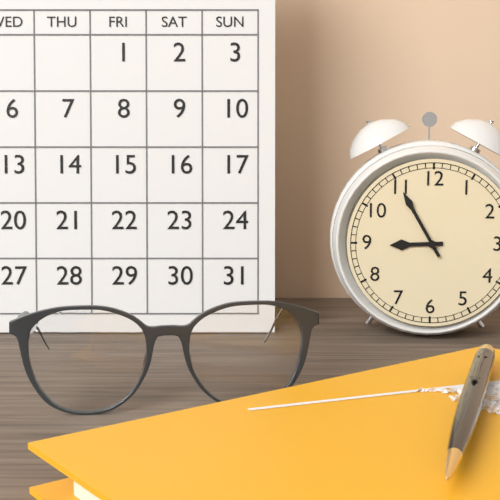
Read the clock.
8:55
